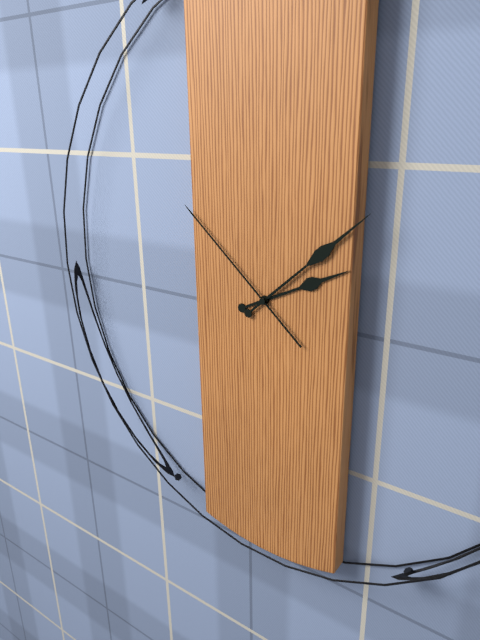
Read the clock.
2:08:52
